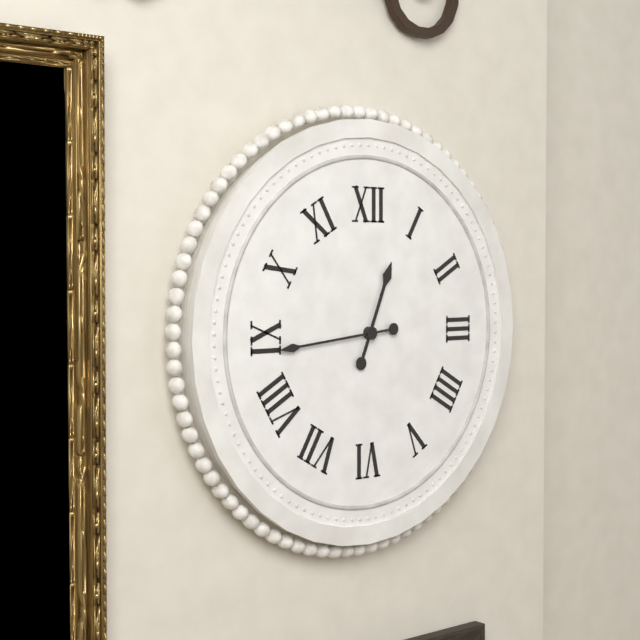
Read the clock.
12:44
